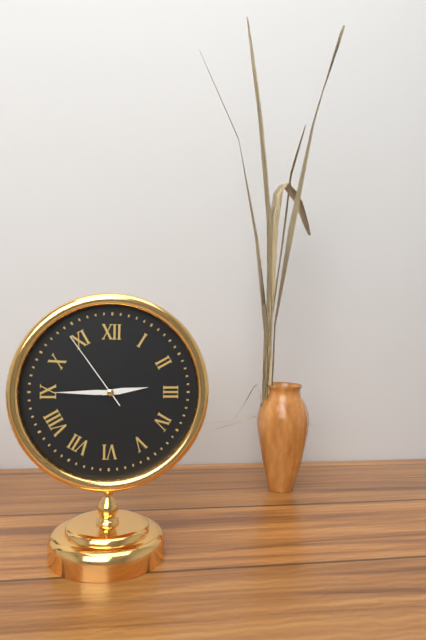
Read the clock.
2:45:54
